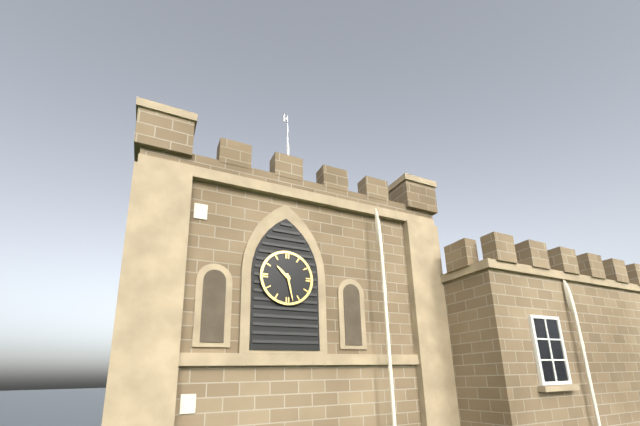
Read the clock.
10:28
